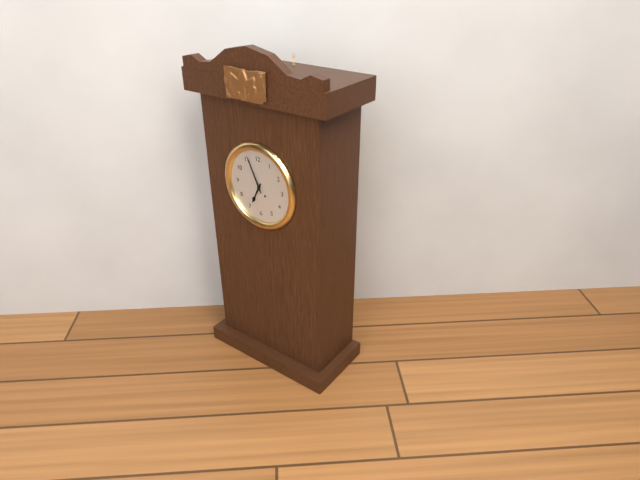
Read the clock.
6:56
